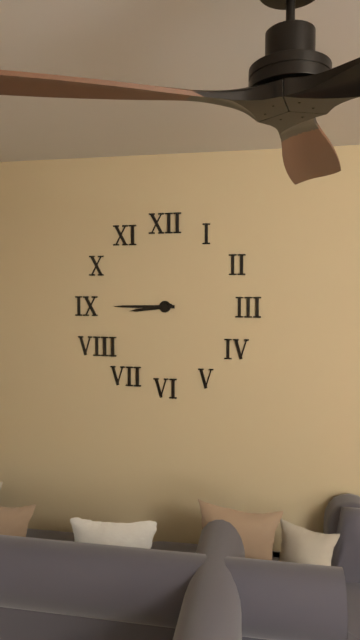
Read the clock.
8:45
